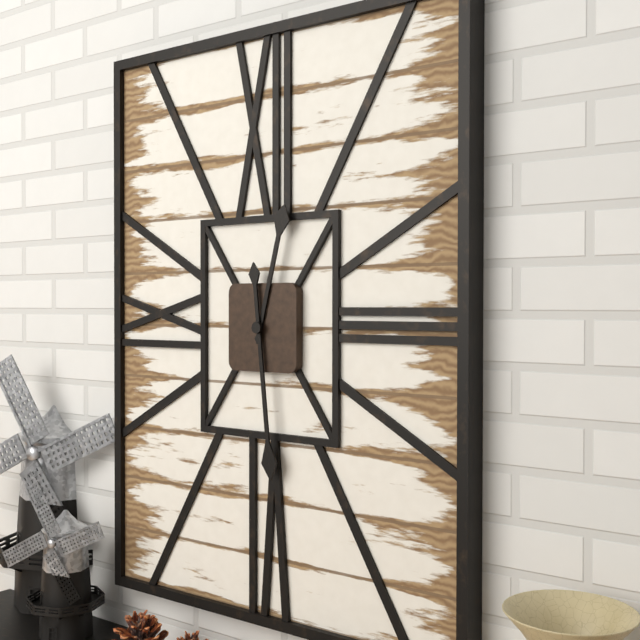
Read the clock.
12:29
